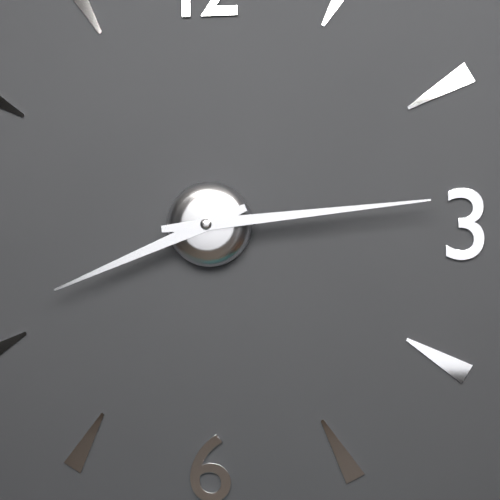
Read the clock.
8:14
